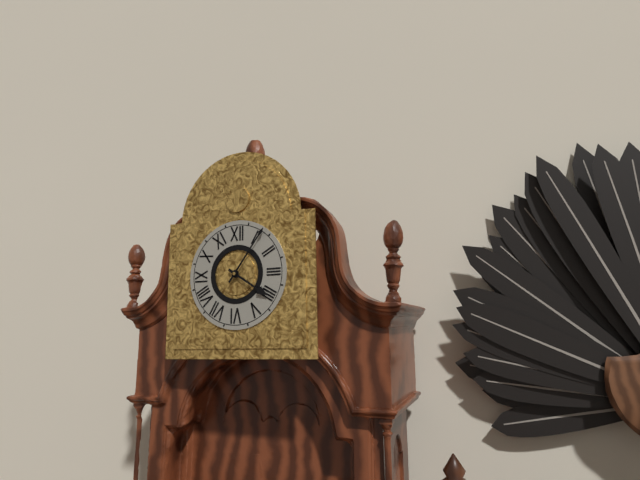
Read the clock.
4:06
